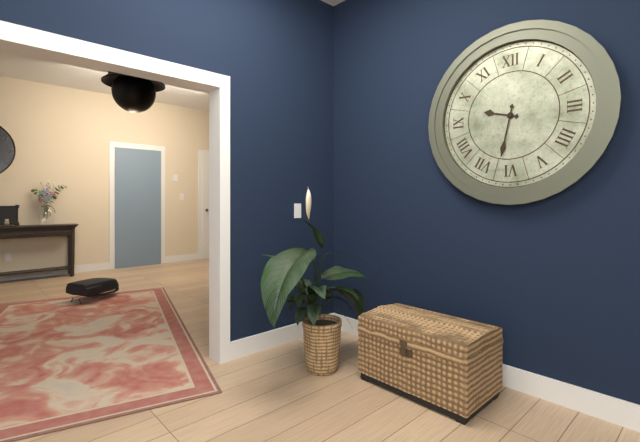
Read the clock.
9:32
